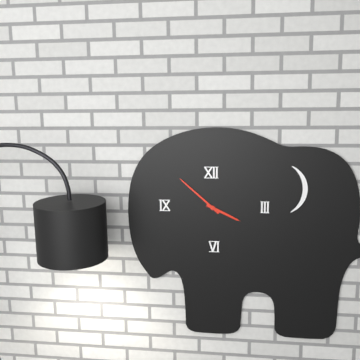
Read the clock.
3:52
